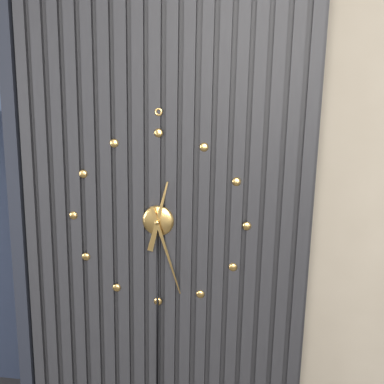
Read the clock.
12:27
